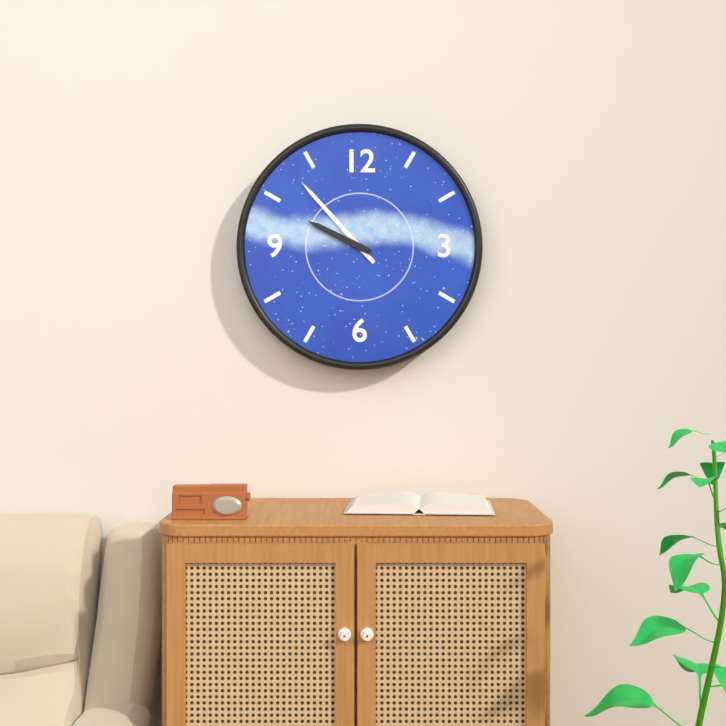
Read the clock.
9:53
